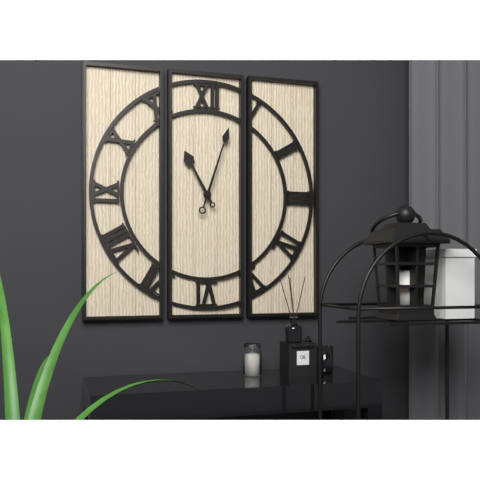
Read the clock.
11:03
